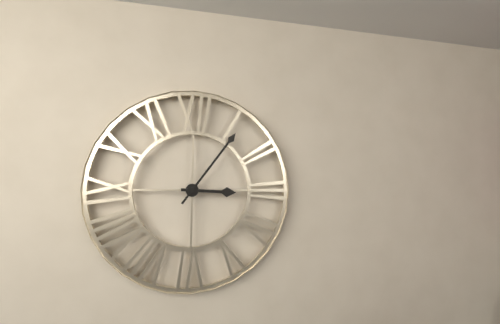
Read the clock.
3:06
